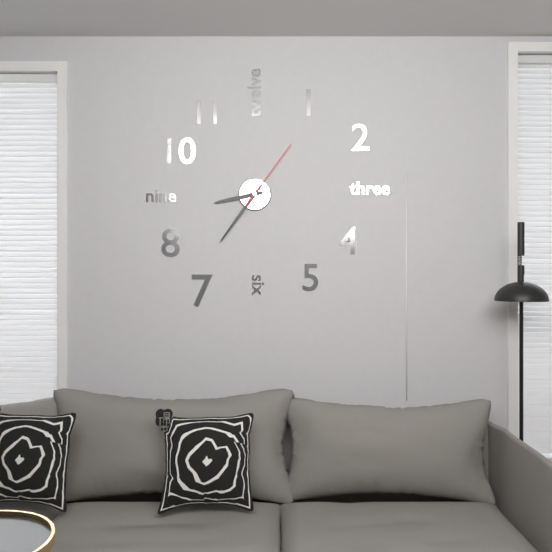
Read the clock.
8:36:06
